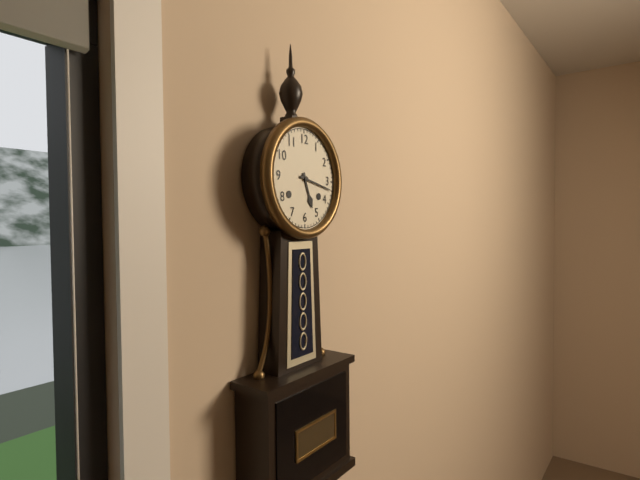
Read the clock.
5:17
